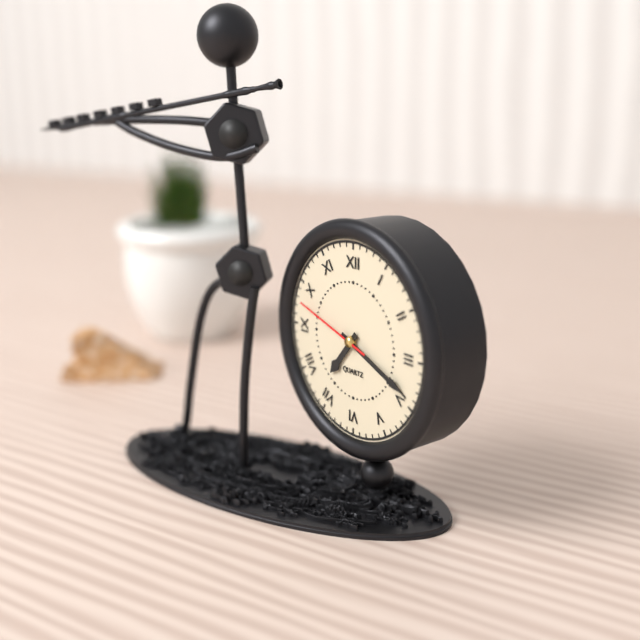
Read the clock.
7:19:48
